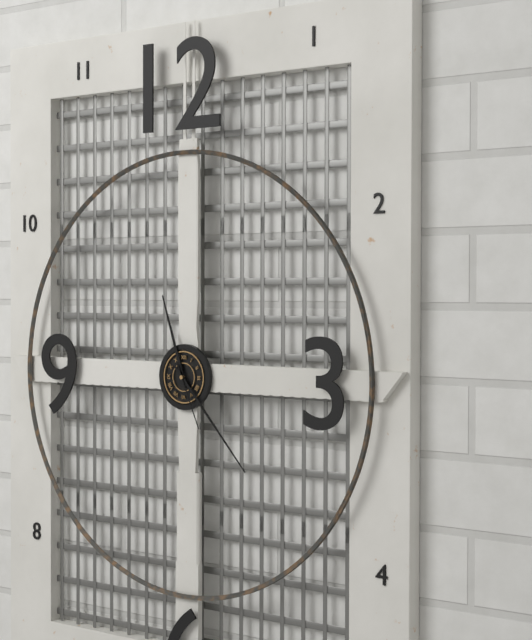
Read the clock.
11:23:26
